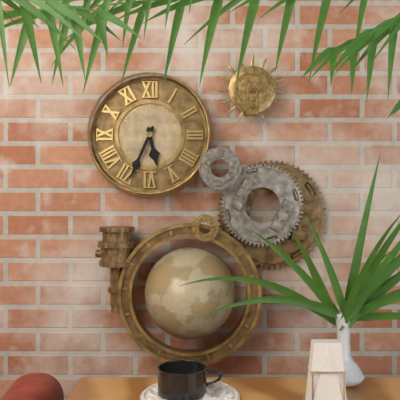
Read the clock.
5:34
